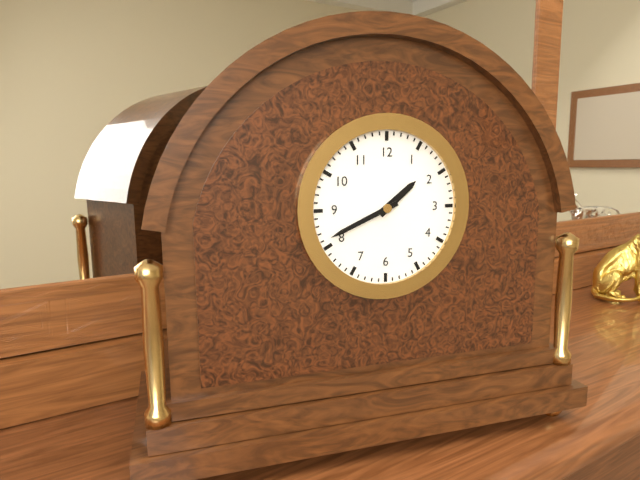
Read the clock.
1:41
